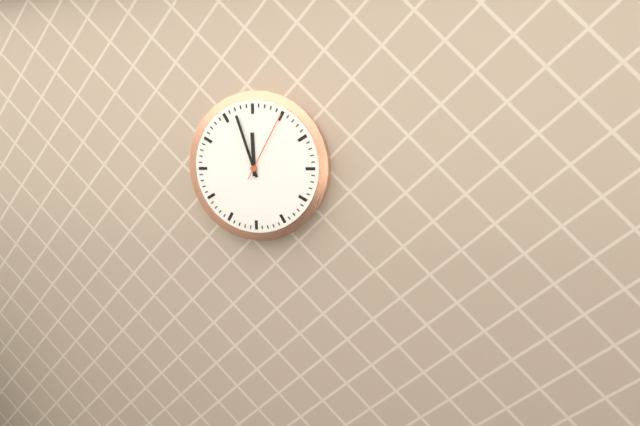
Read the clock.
11:57:05
